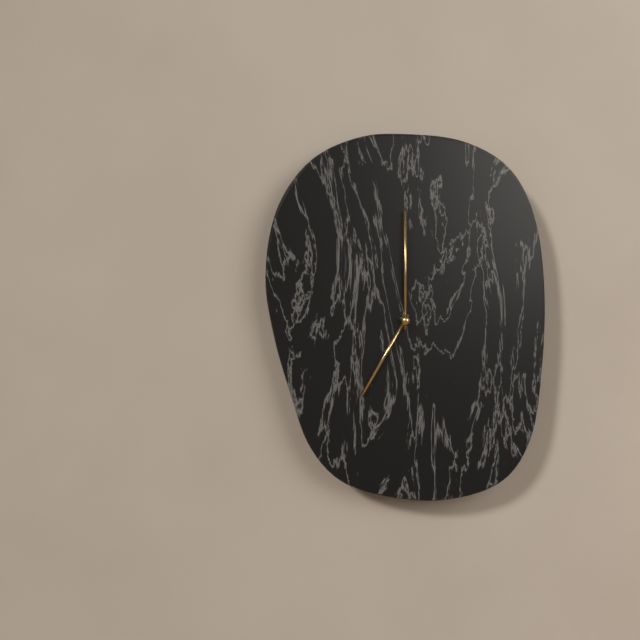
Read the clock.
7:00
